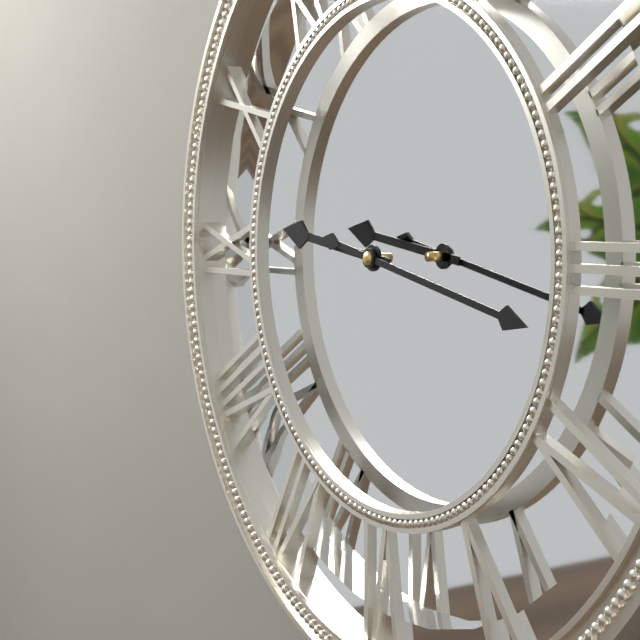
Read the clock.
9:17
